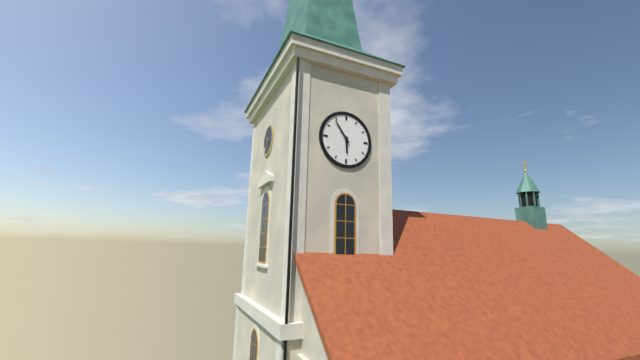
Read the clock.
5:54
